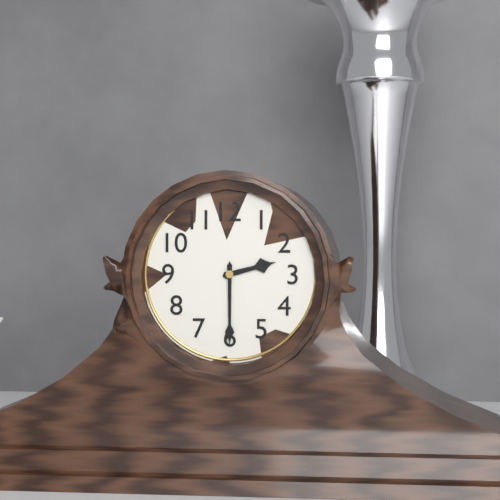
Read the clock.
2:30
